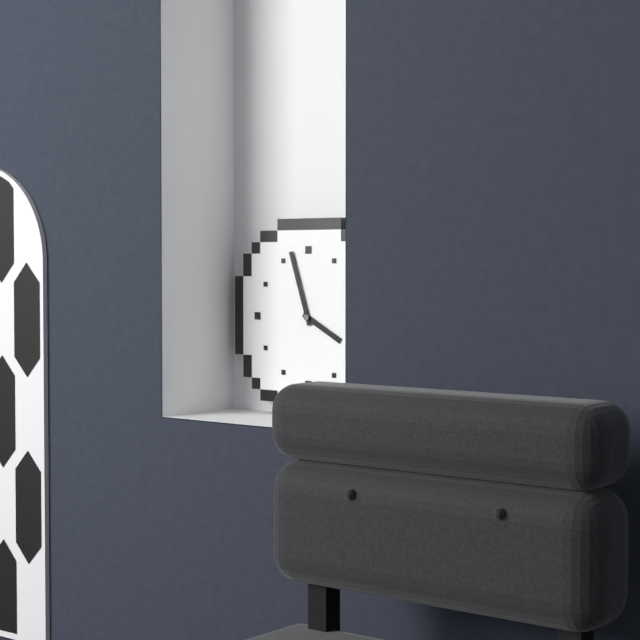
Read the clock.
3:57
